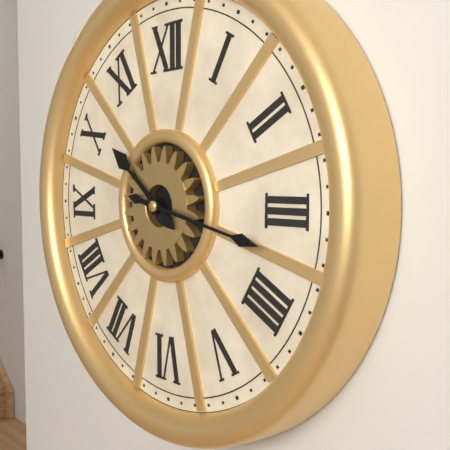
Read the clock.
10:17
